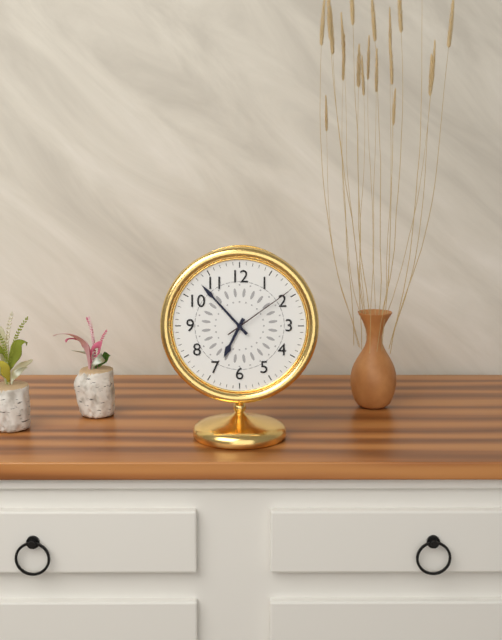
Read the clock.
6:53:09
